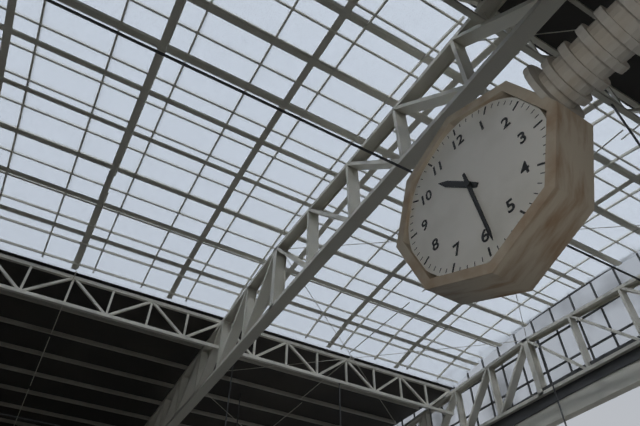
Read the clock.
10:29
